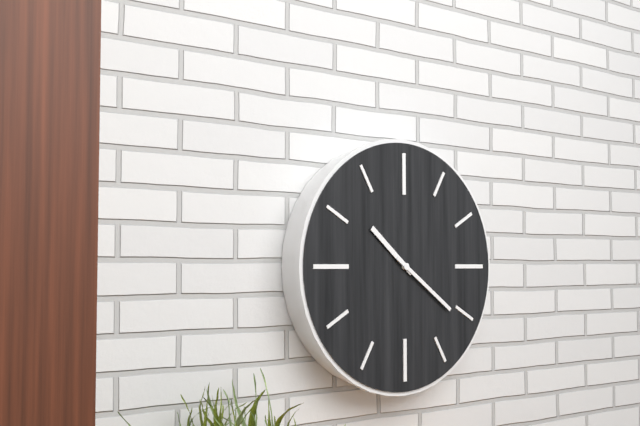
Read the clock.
10:21
